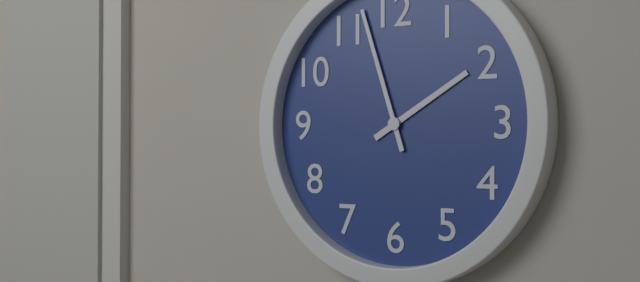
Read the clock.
1:57
